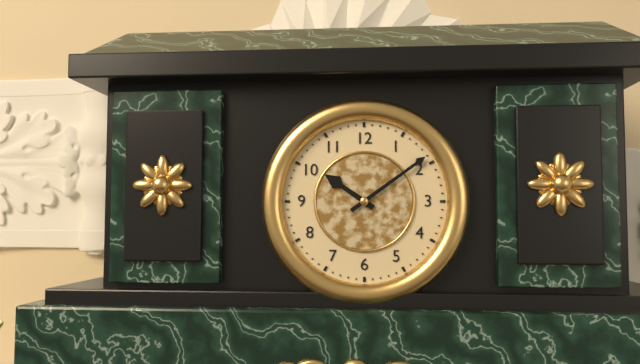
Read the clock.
10:09
